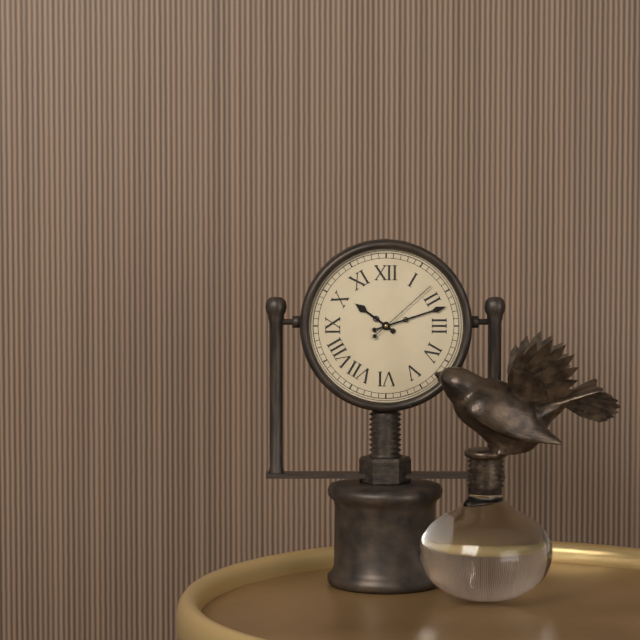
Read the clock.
10:12:08
